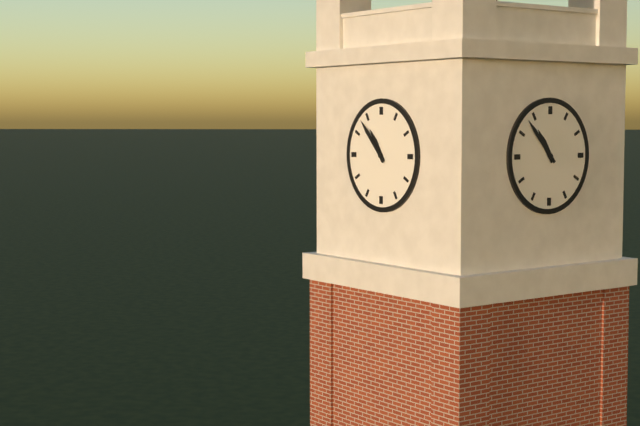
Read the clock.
10:53
